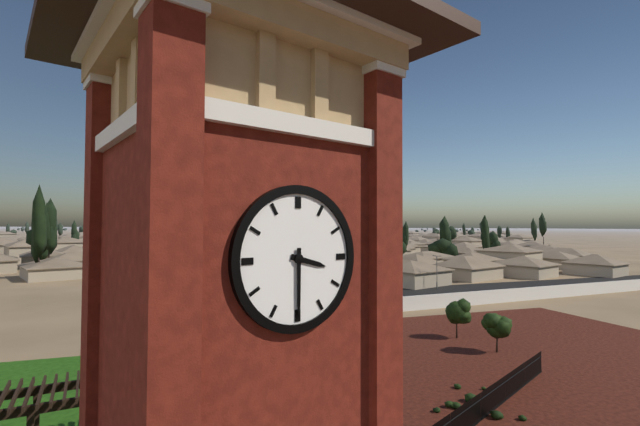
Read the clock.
3:30
